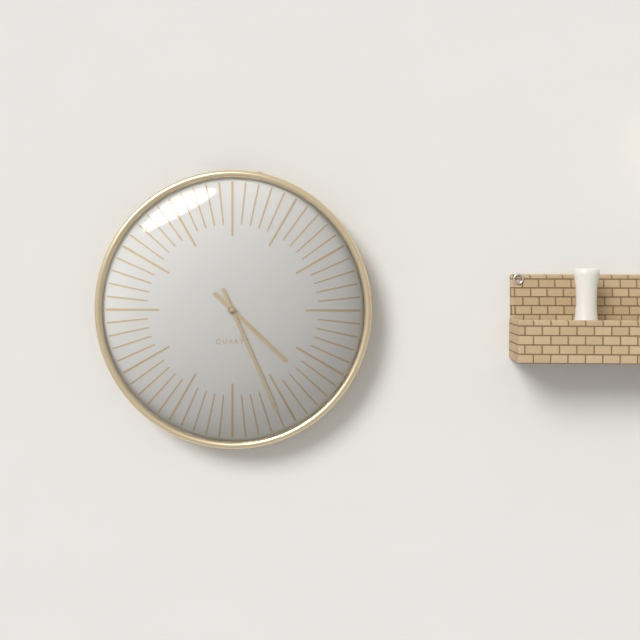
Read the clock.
4:26
